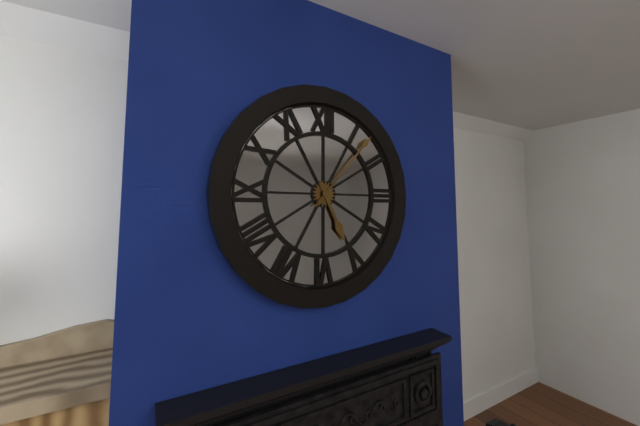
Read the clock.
5:07
